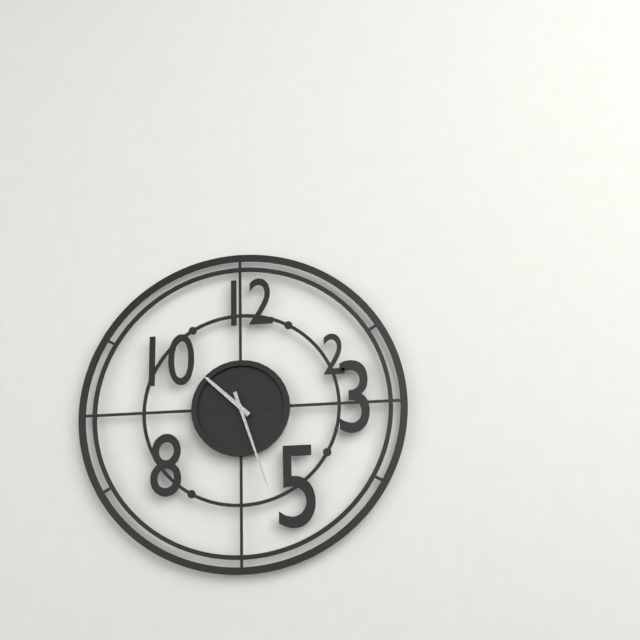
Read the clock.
10:27
